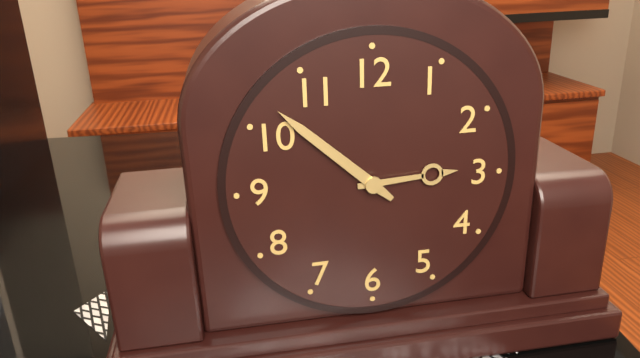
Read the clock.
2:52
